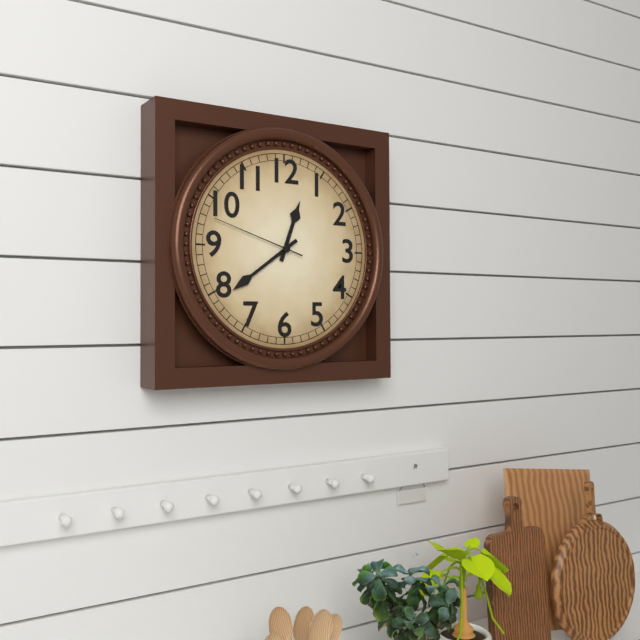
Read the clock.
12:39:48
